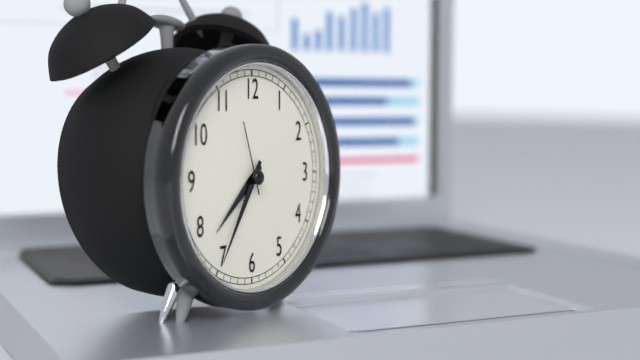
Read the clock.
7:35:57
